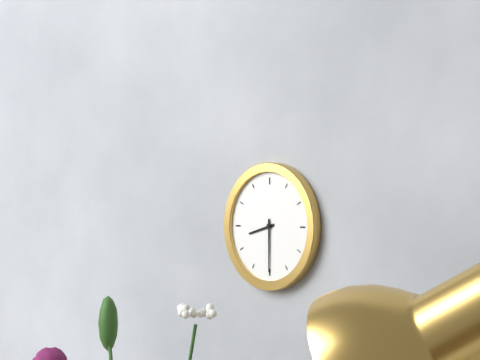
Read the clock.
8:30
